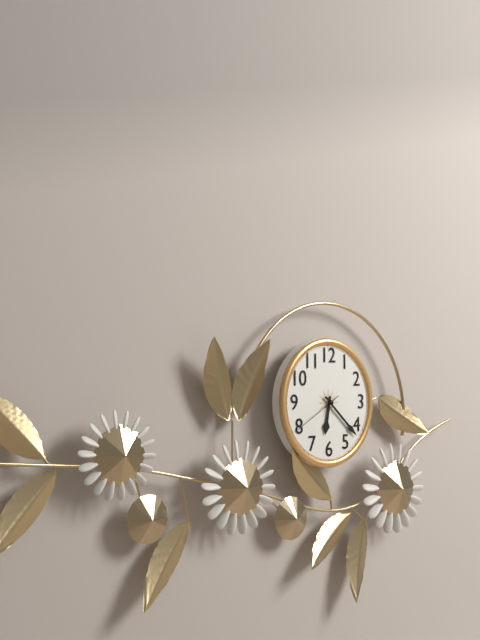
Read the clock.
6:22:40
